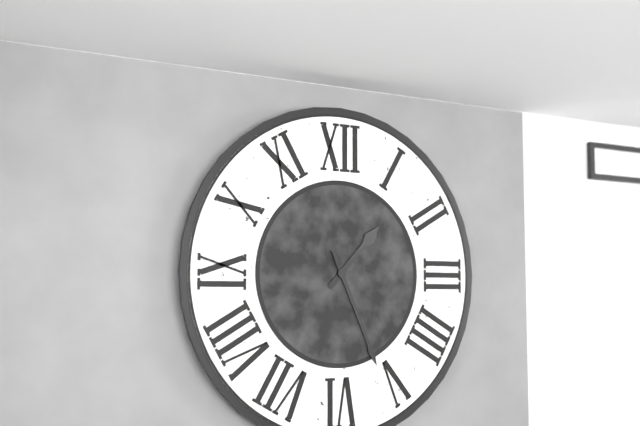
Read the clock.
1:26
